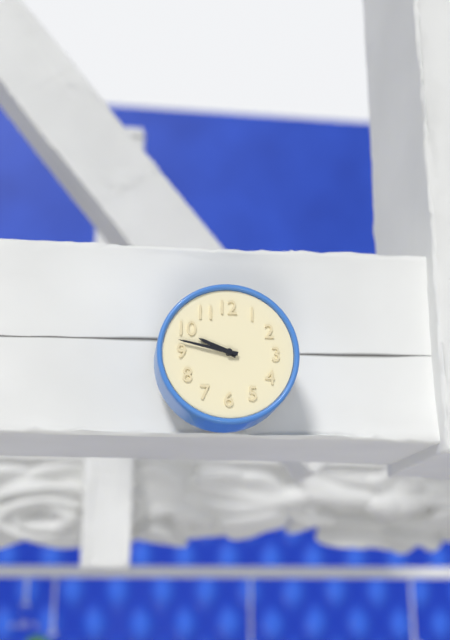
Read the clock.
9:47
